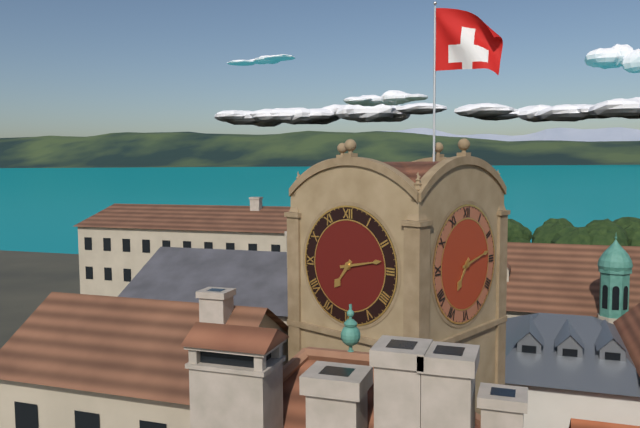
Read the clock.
7:13
